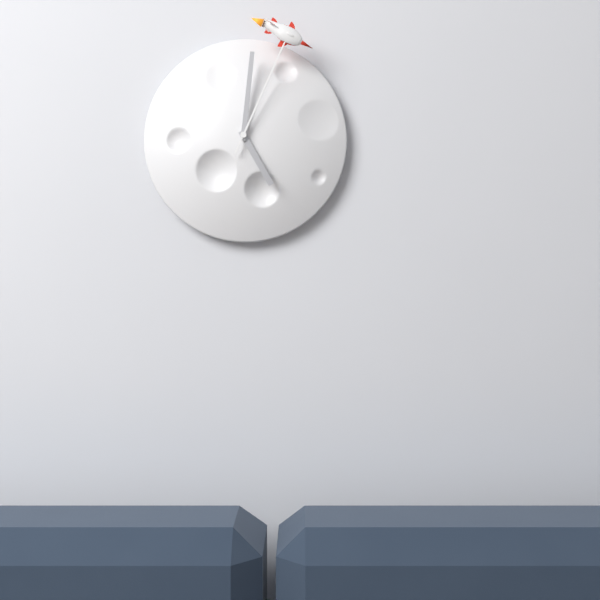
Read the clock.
5:01:04
